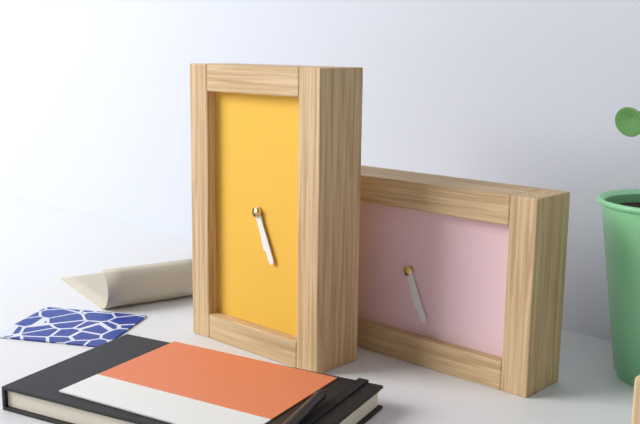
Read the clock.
5:26
